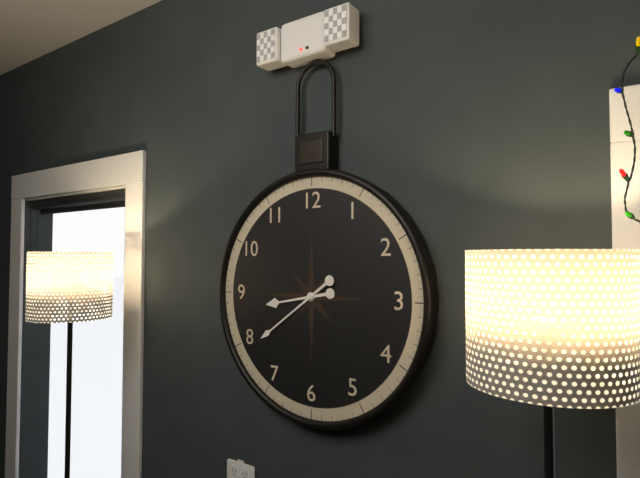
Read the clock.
8:39
